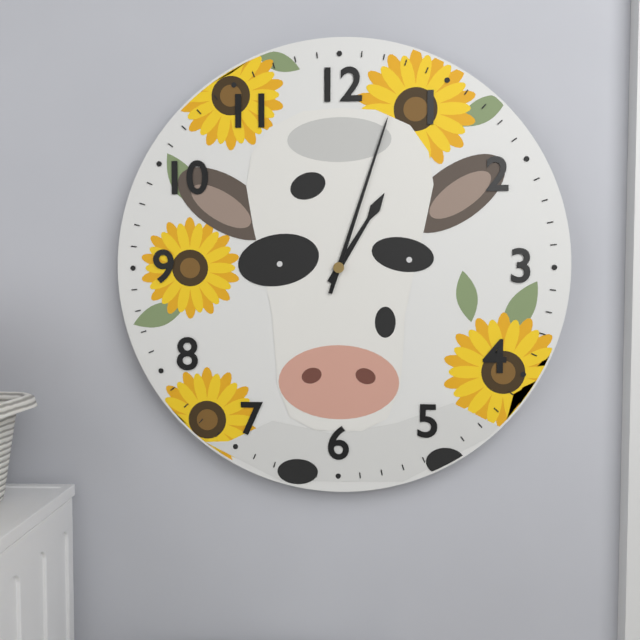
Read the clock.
1:03
